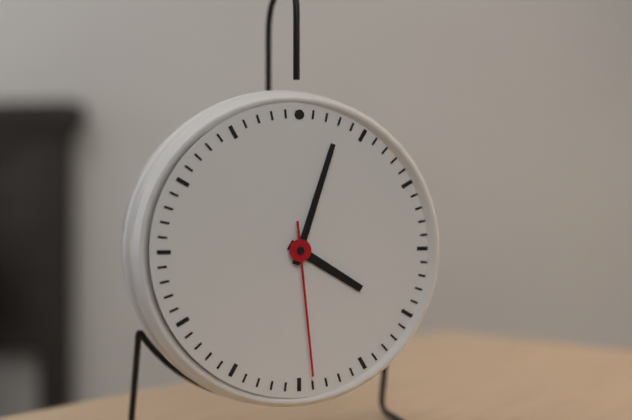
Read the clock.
4:03:29
